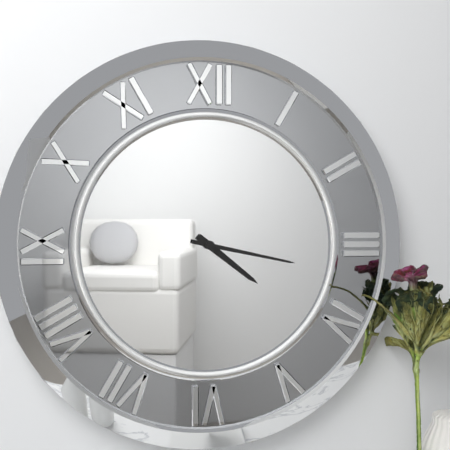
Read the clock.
4:17
